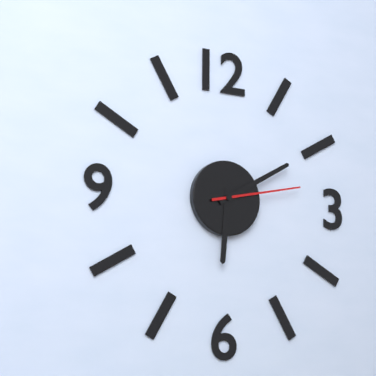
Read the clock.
6:10:13
